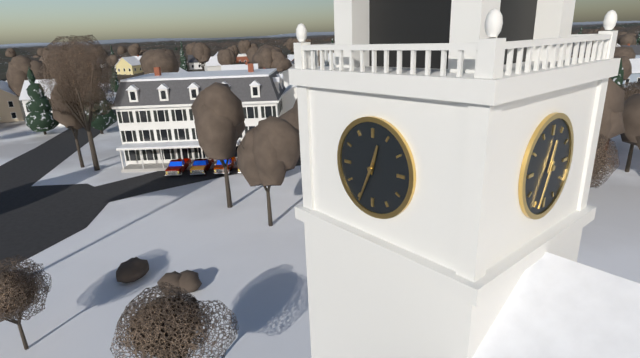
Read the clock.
12:34
